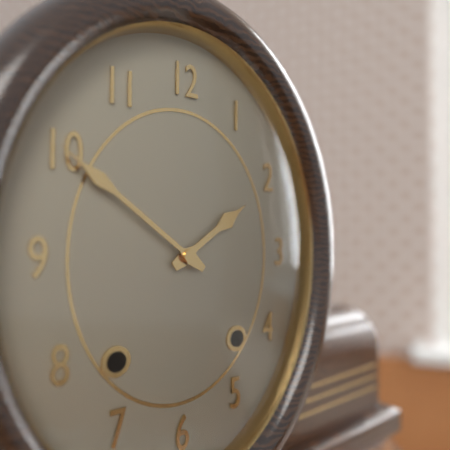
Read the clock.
1:51
